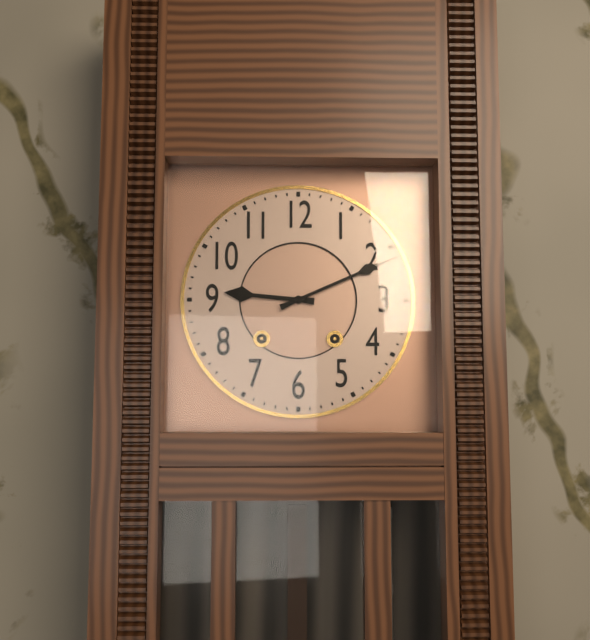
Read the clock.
9:11
